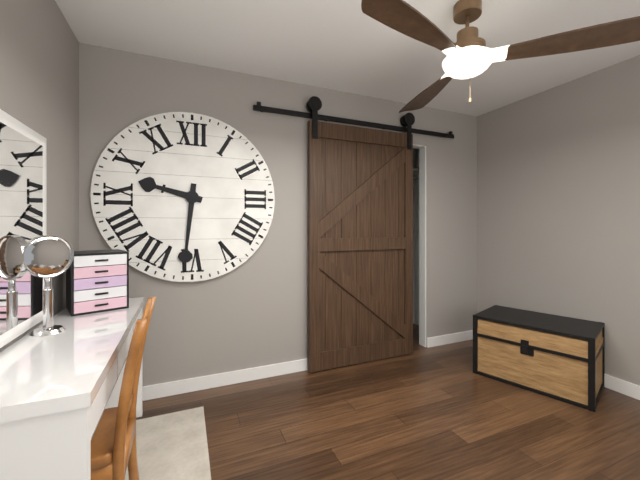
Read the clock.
9:31
